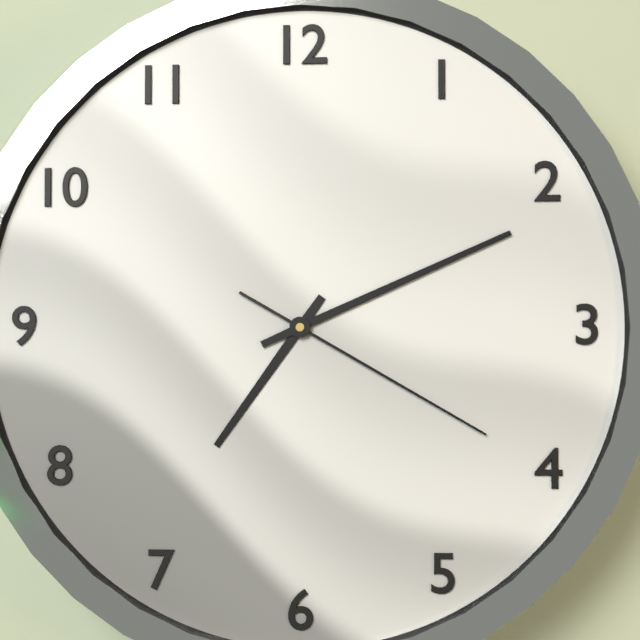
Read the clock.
7:11:20
